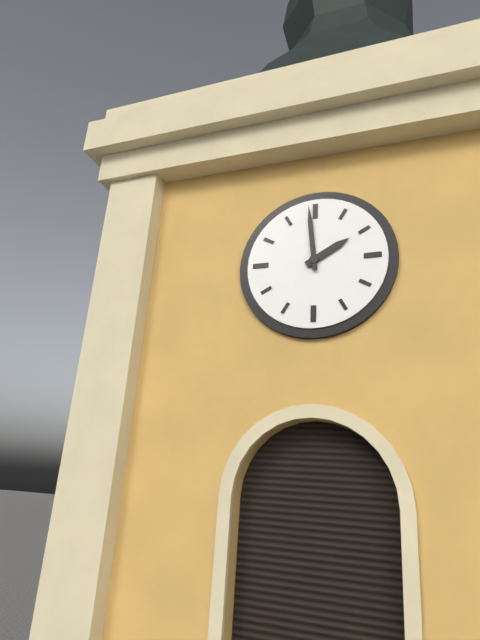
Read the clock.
1:59
